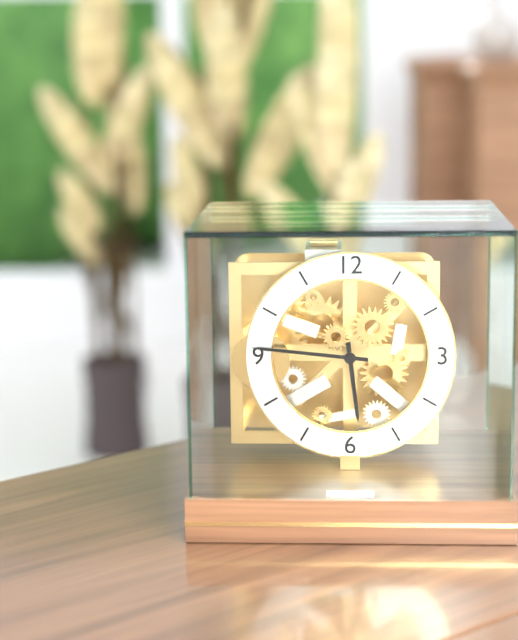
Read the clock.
5:46
